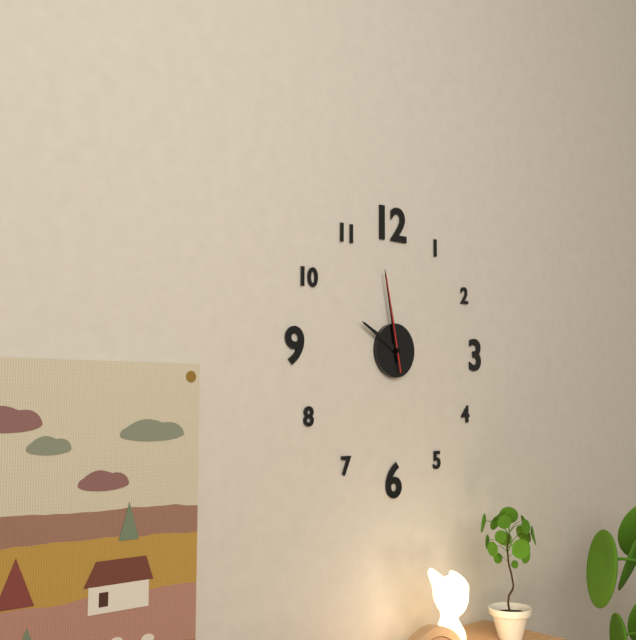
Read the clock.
9:58:58
